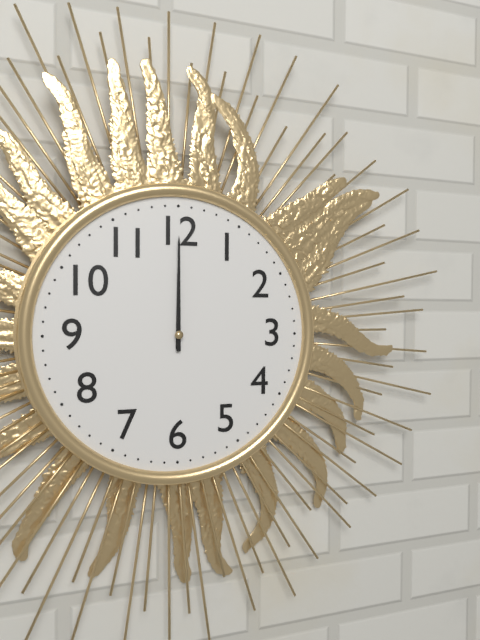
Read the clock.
12:00
